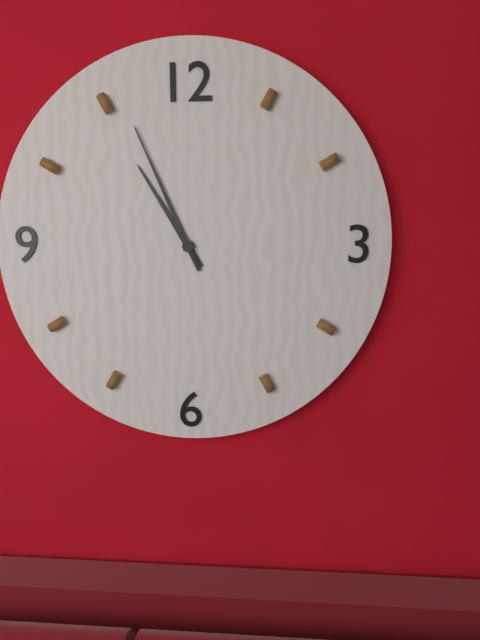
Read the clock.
10:56
